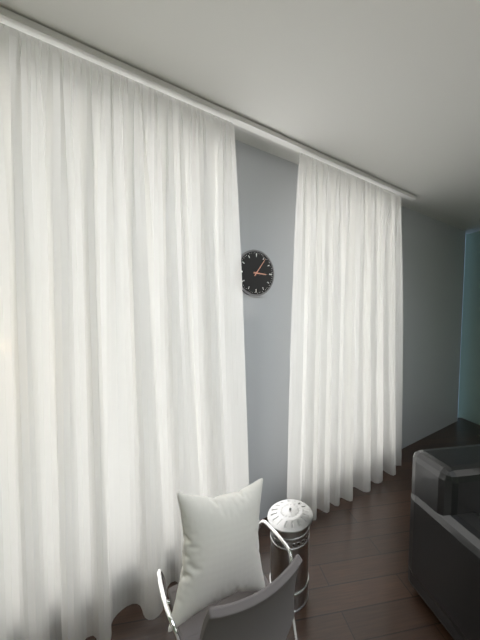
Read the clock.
3:06
